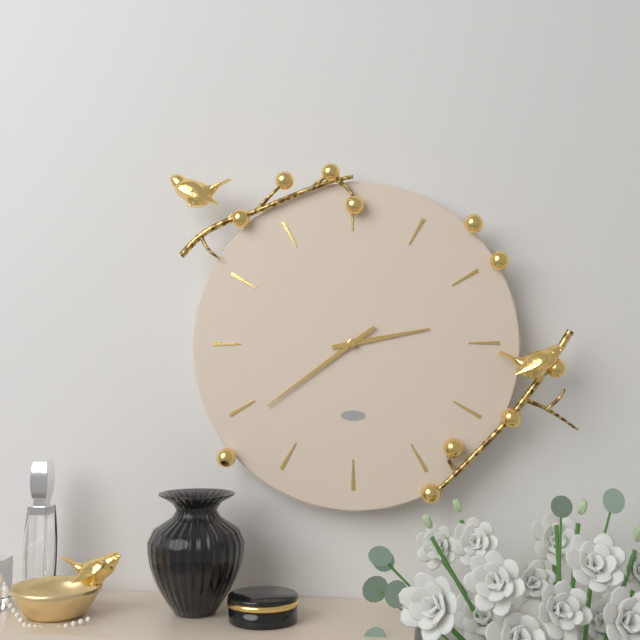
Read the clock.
2:39
